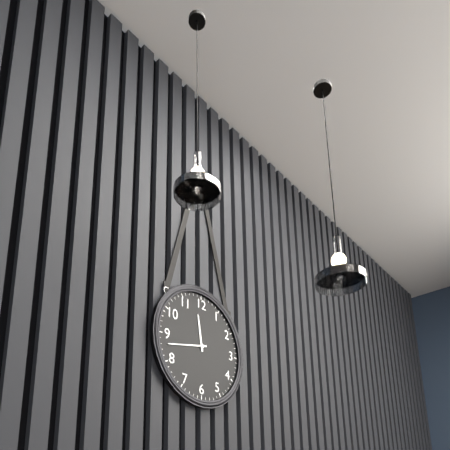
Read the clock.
11:43
